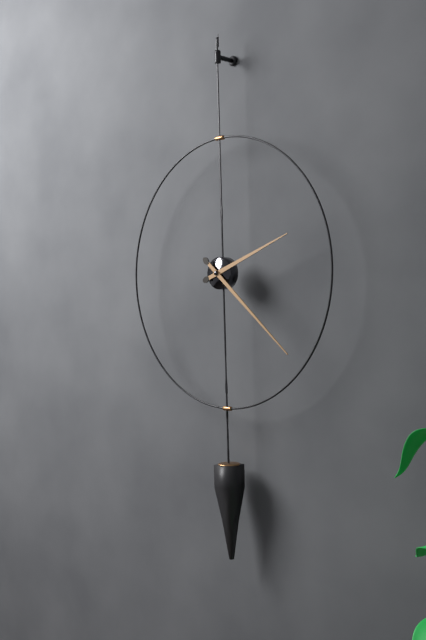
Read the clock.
2:22
